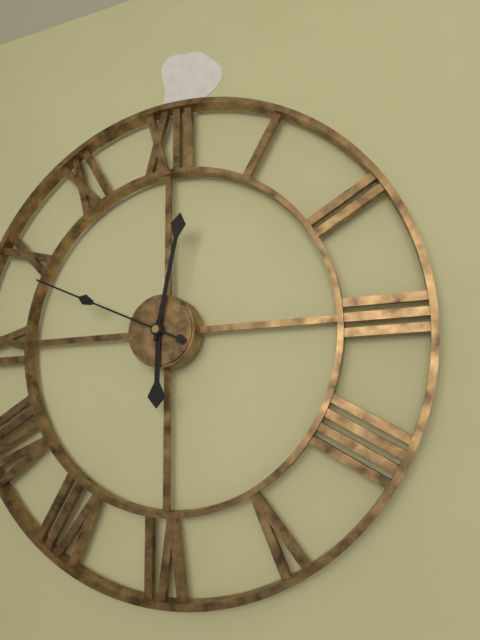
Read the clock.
6:02:49
